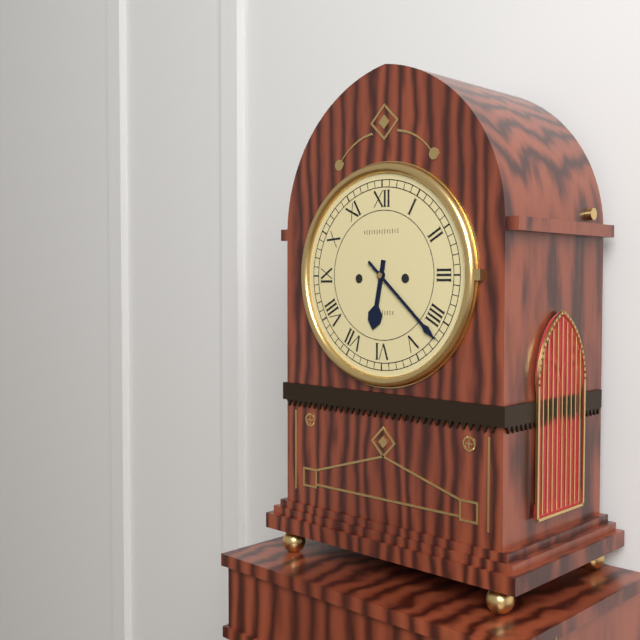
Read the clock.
6:22
